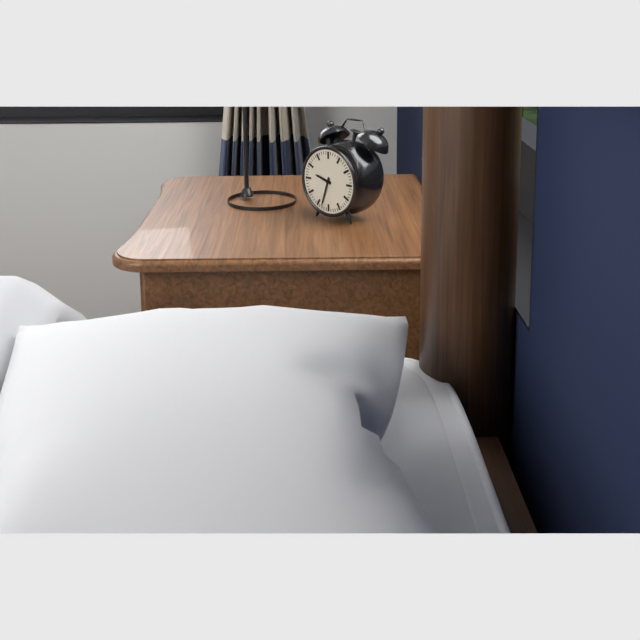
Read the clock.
9:33
